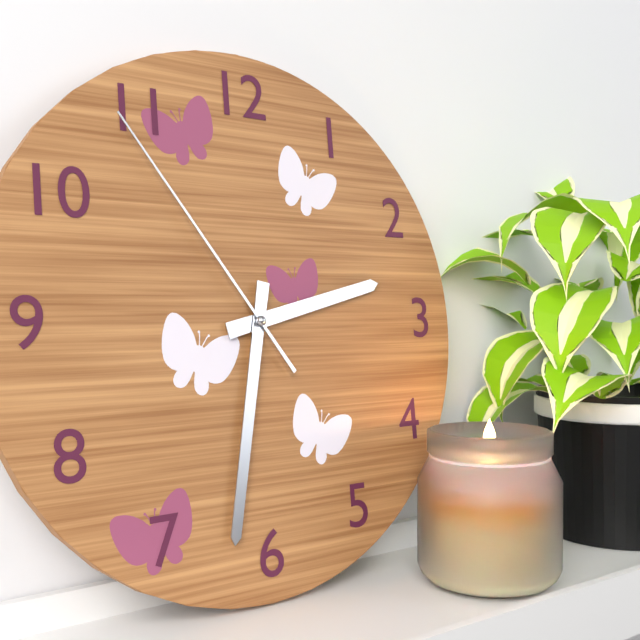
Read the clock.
2:32:54
